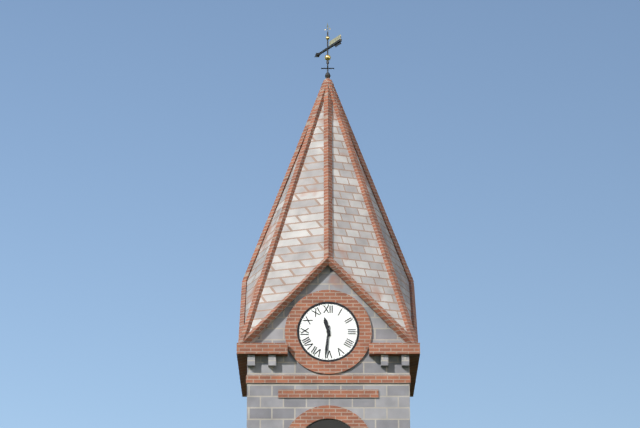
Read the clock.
11:31
